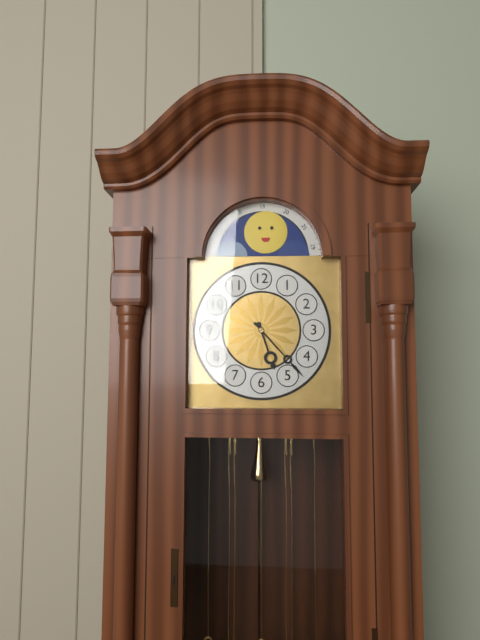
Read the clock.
5:23
